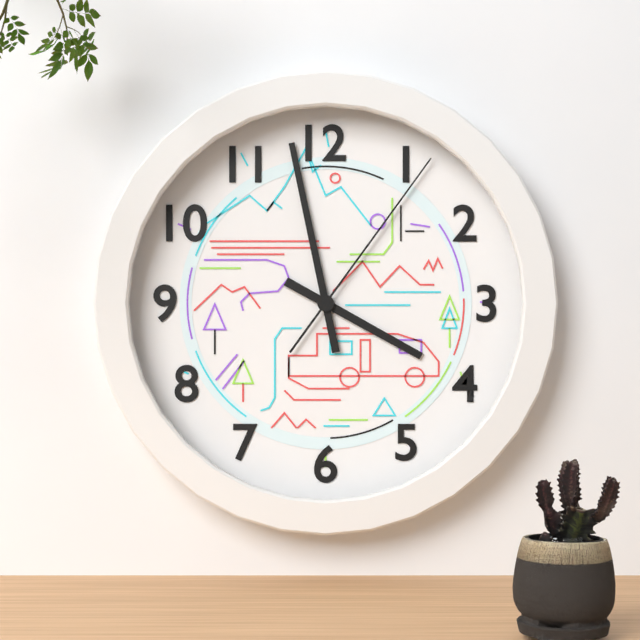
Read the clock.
3:58:06
